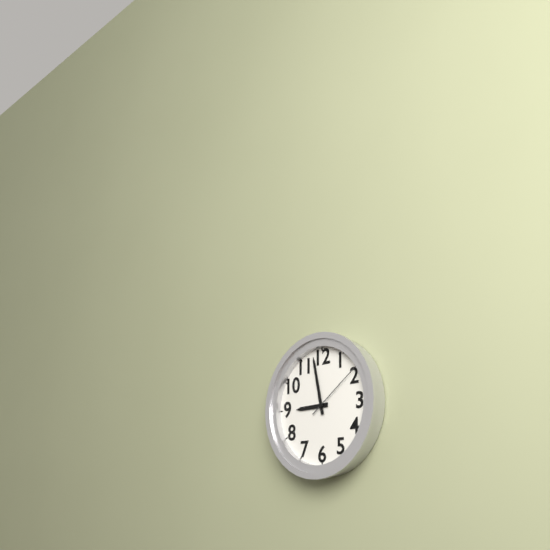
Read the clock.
8:58:09
